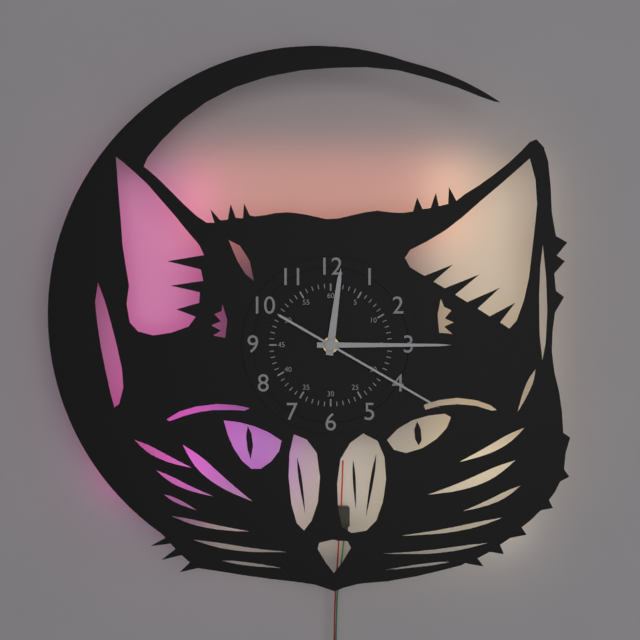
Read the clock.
12:15:20
